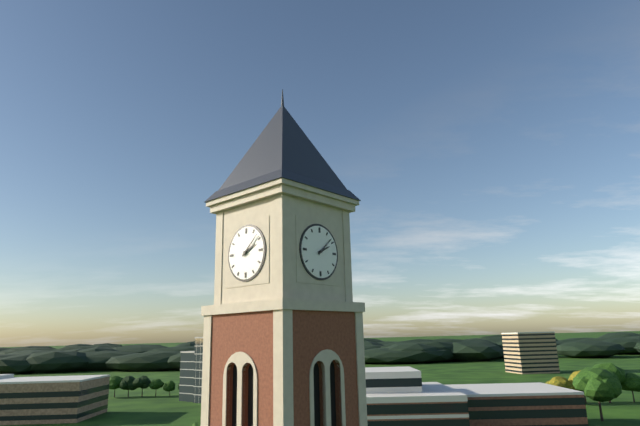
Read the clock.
2:08
